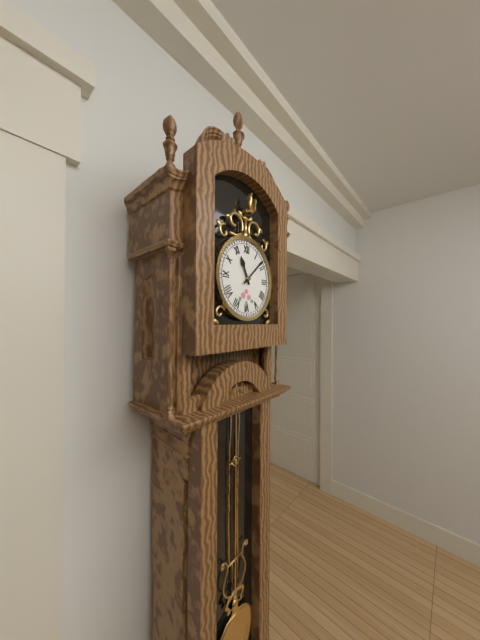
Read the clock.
11:08
